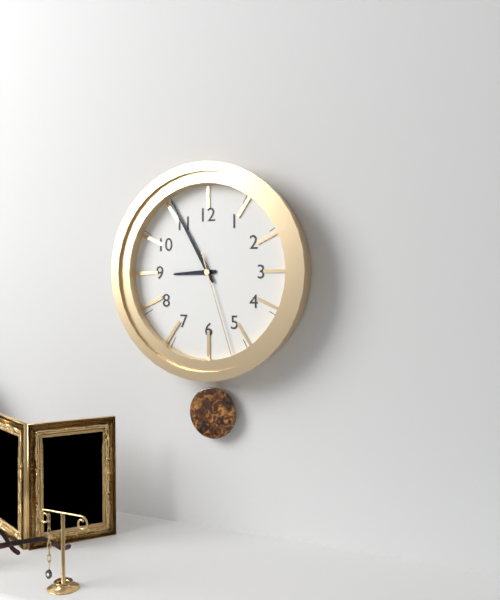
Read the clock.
8:55:27
